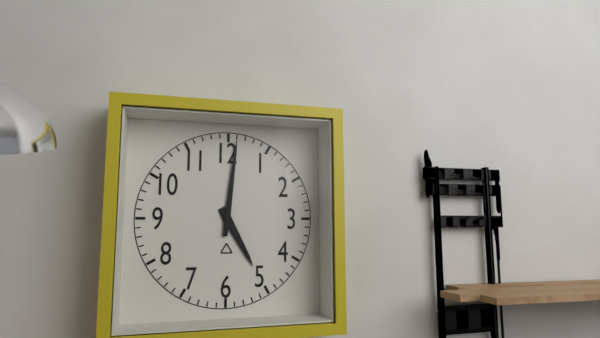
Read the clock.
5:01
